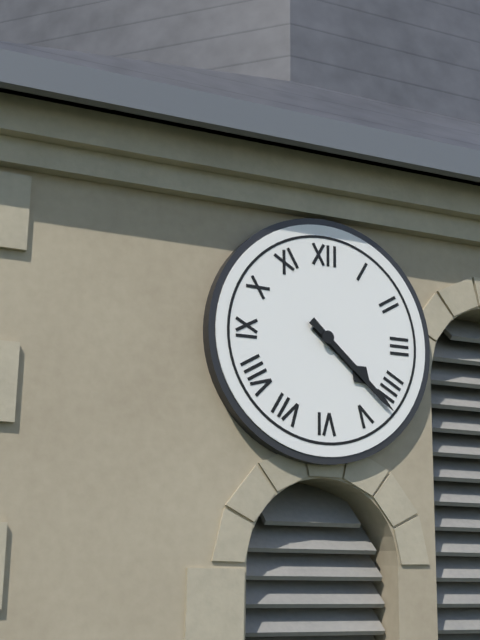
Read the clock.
4:22
